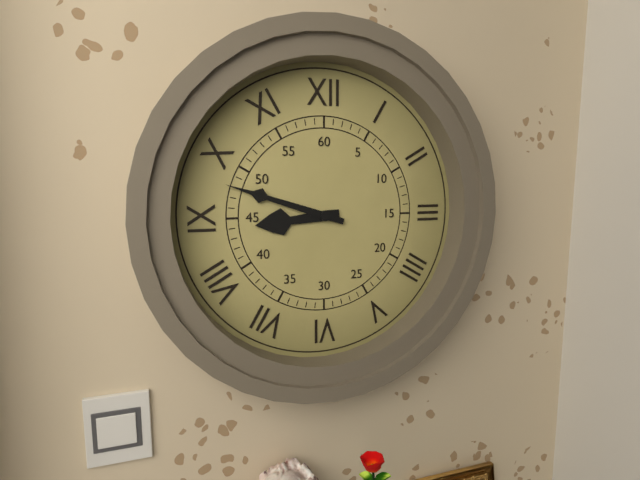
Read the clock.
8:48
